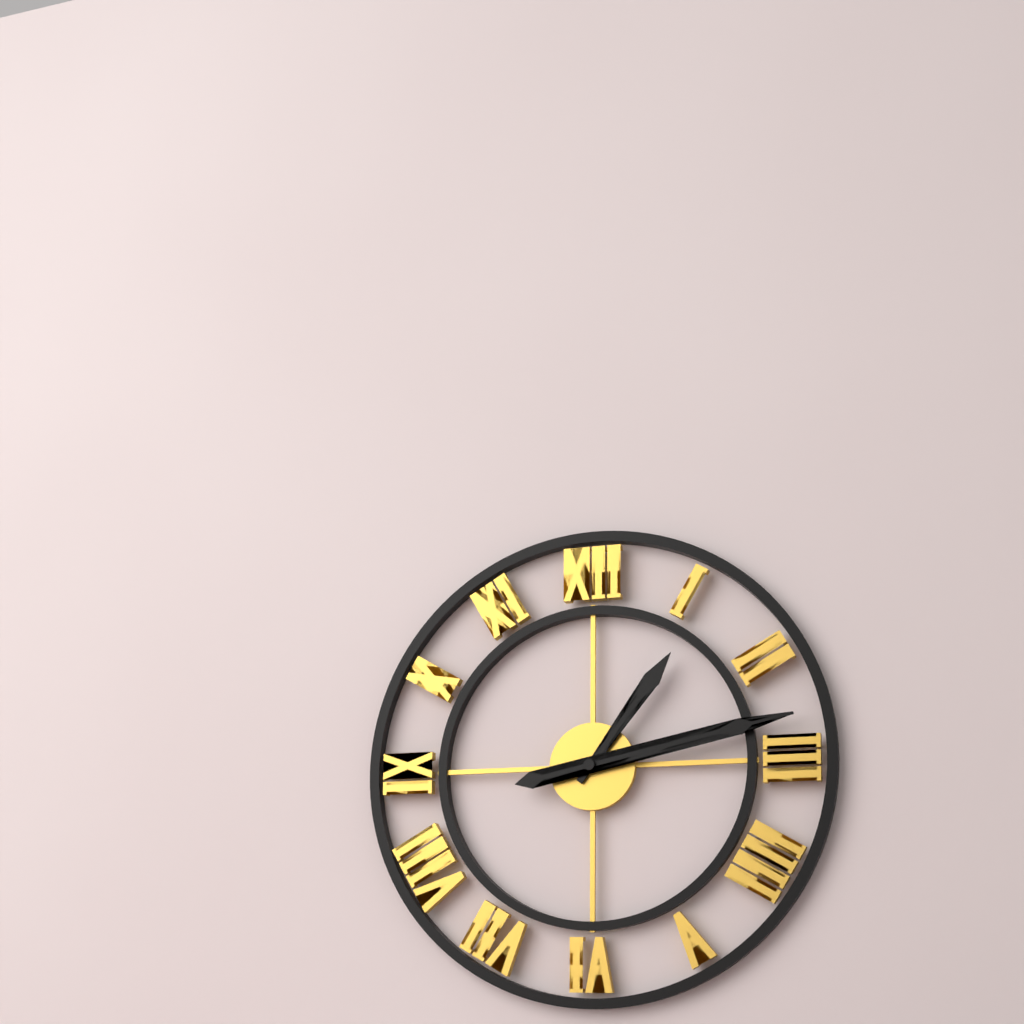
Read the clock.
1:13
